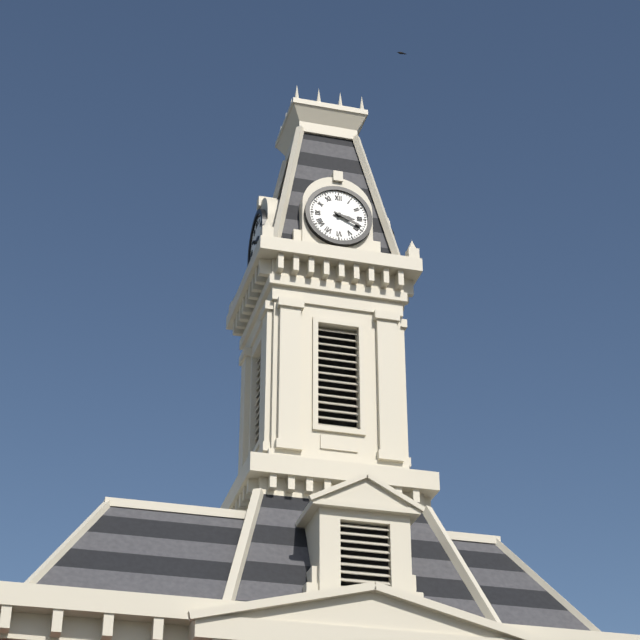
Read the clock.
3:19
